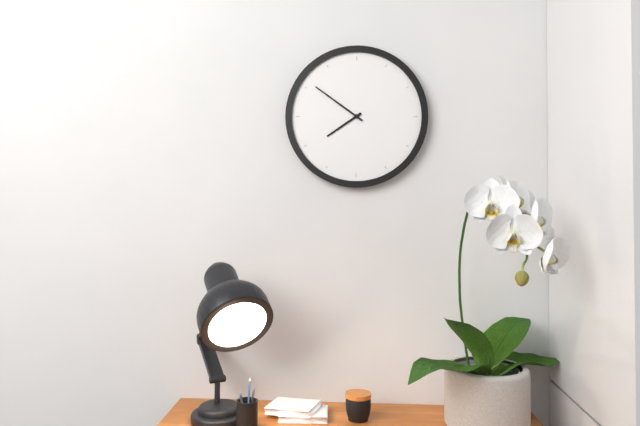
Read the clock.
7:51
